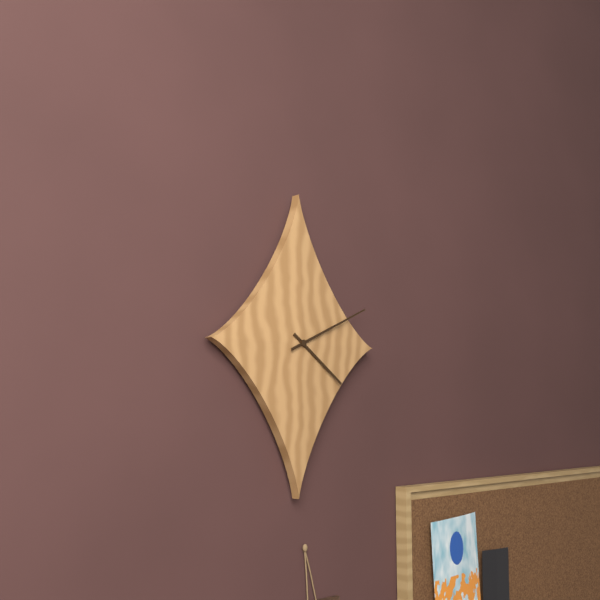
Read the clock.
4:11
